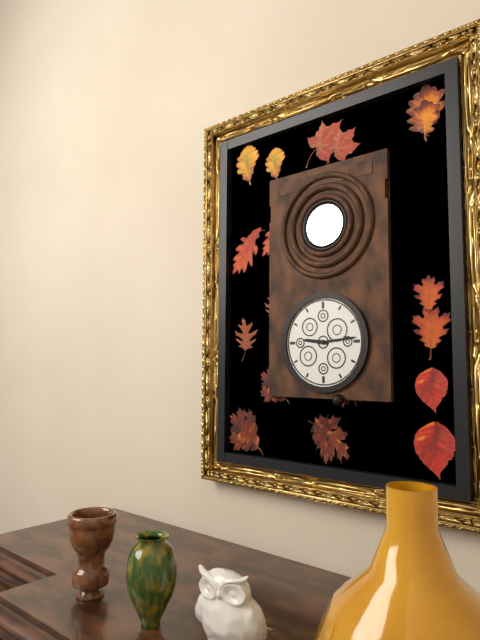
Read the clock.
9:14
